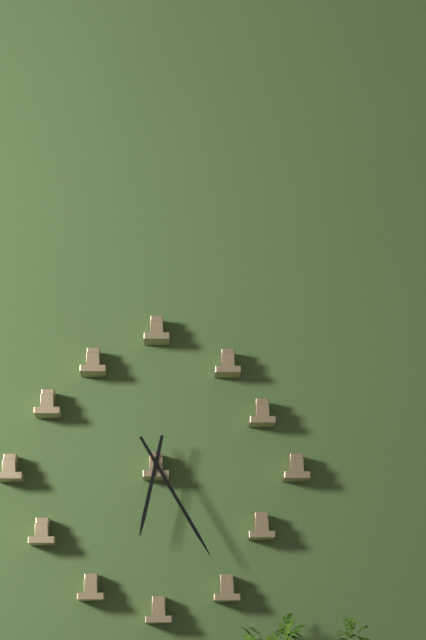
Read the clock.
6:25
